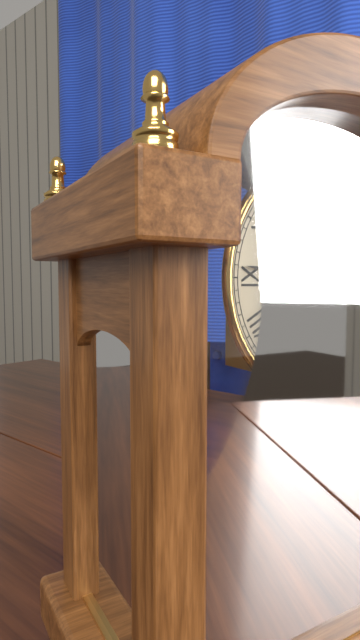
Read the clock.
7:46
